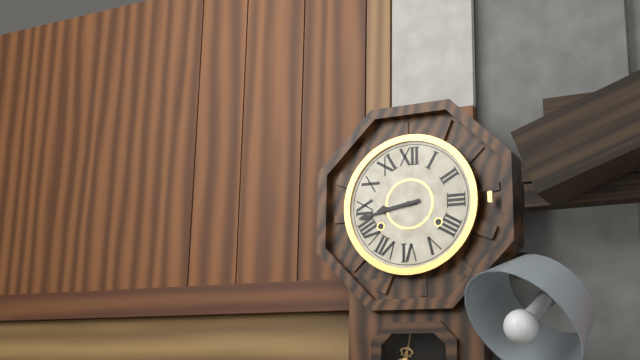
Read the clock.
8:43
